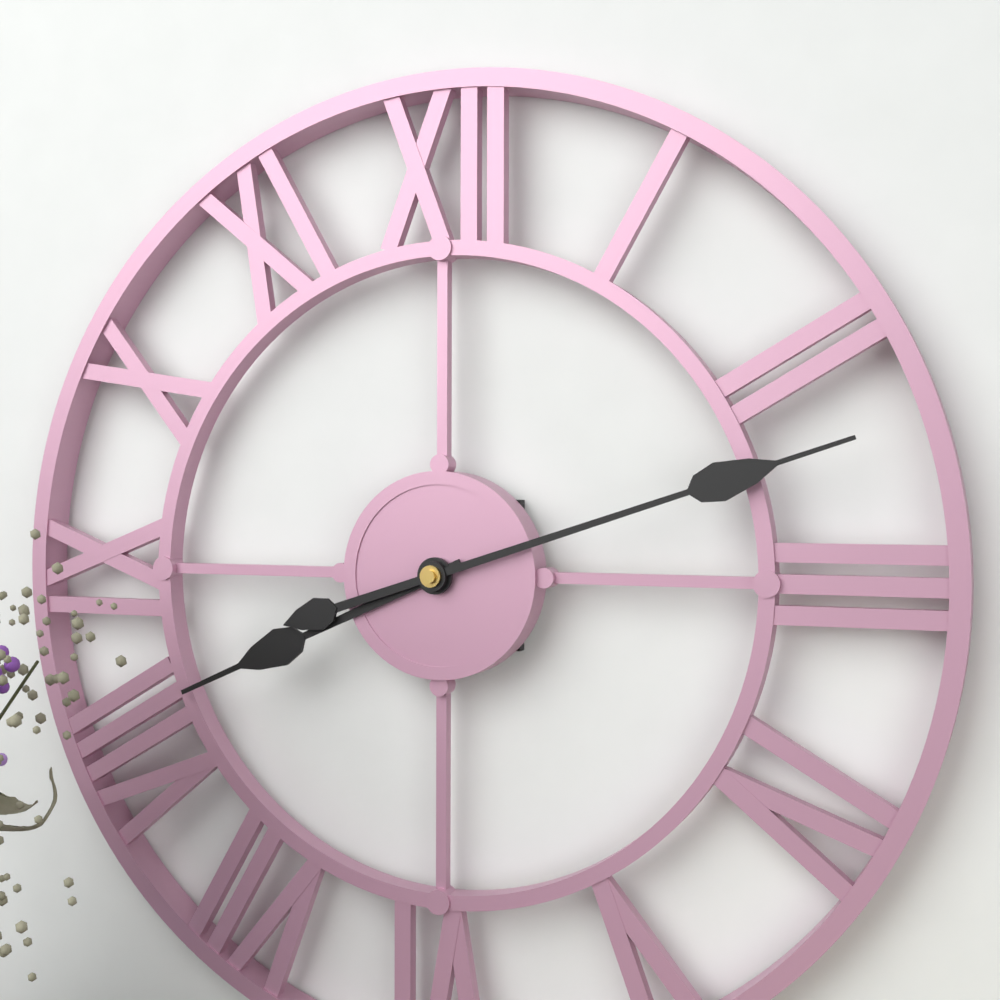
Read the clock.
8:12
